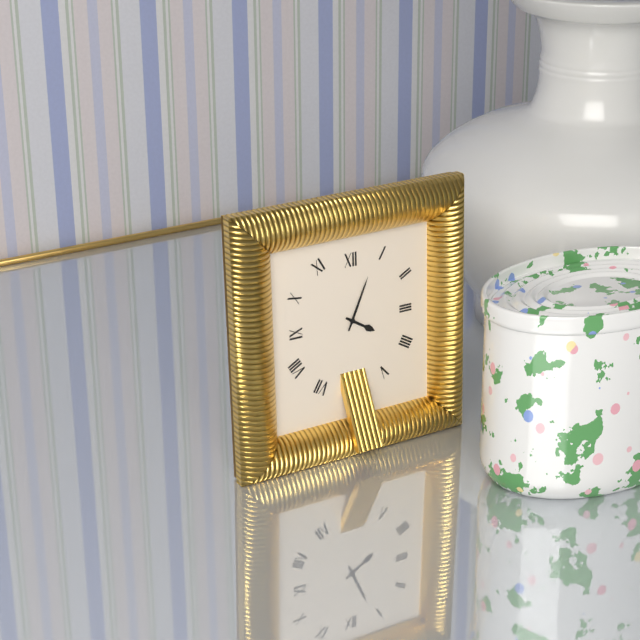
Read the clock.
4:04
